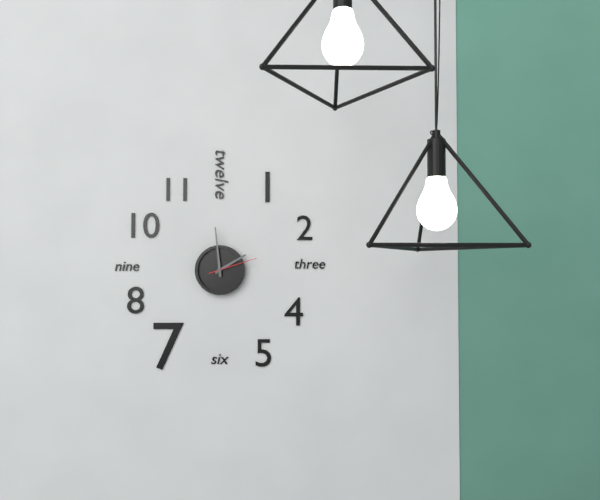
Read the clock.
1:59
